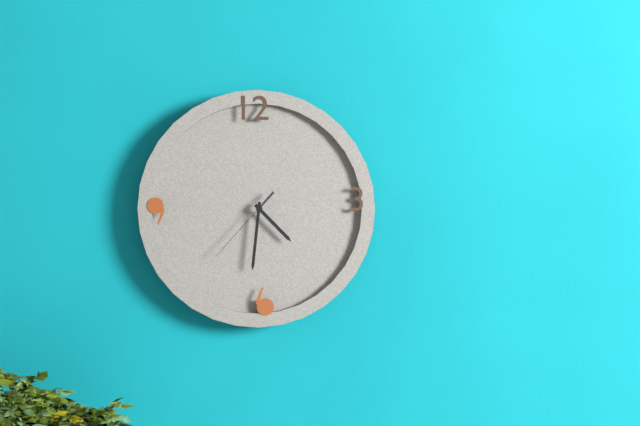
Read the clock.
4:31:37
